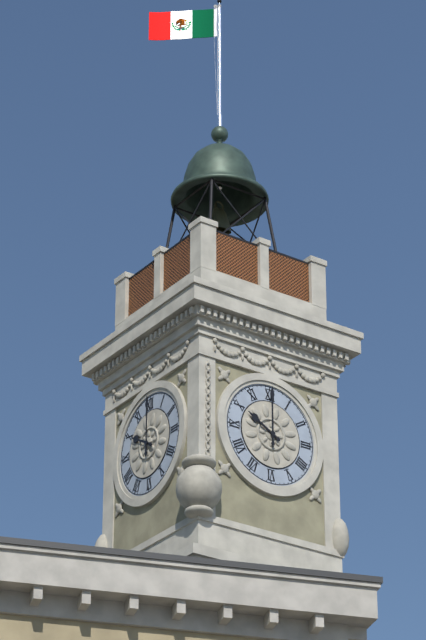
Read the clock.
10:00
